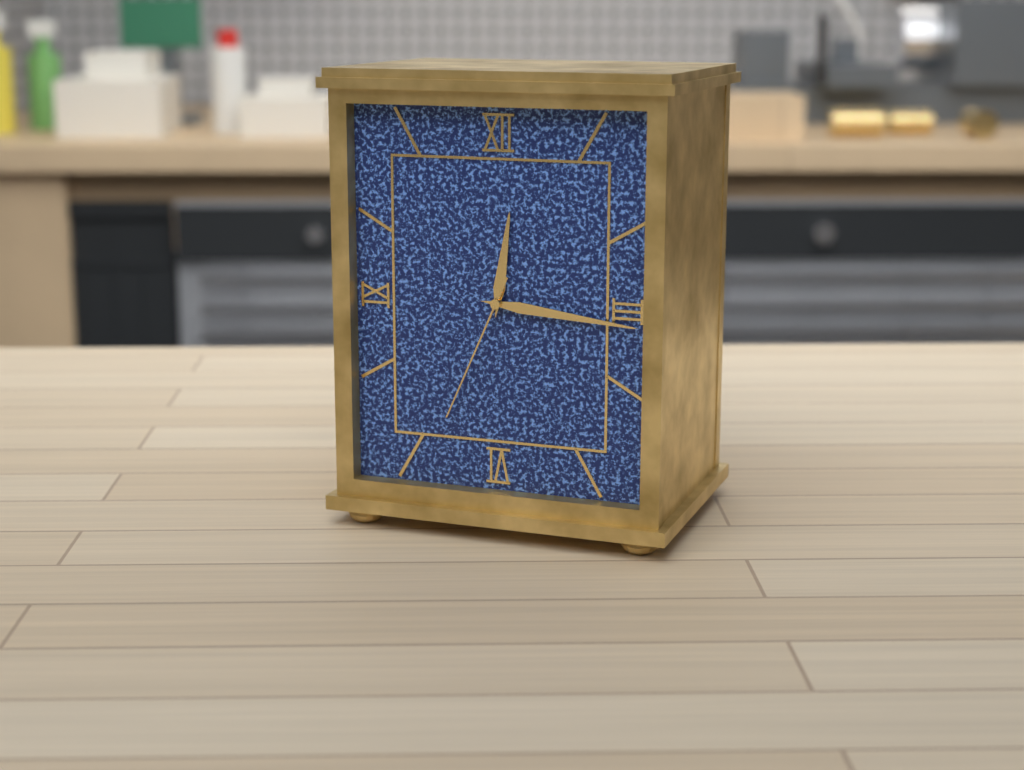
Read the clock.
12:16:34
